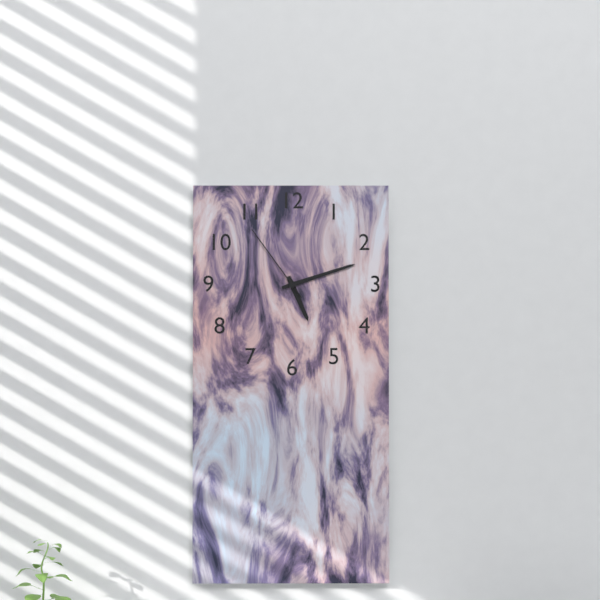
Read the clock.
5:12:54
